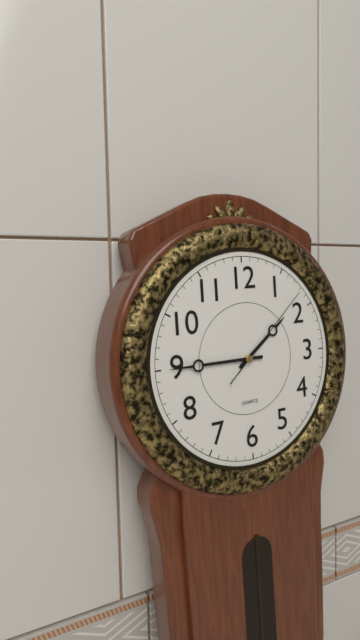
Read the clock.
1:45:08
